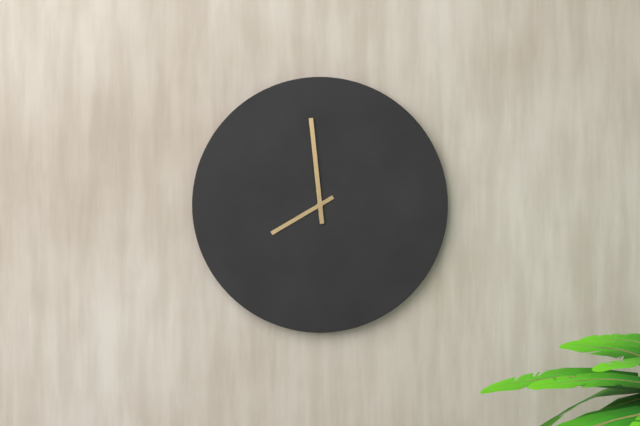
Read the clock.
7:59
